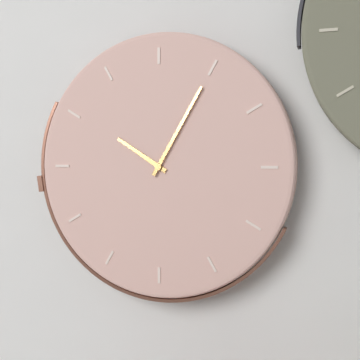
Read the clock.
10:05
